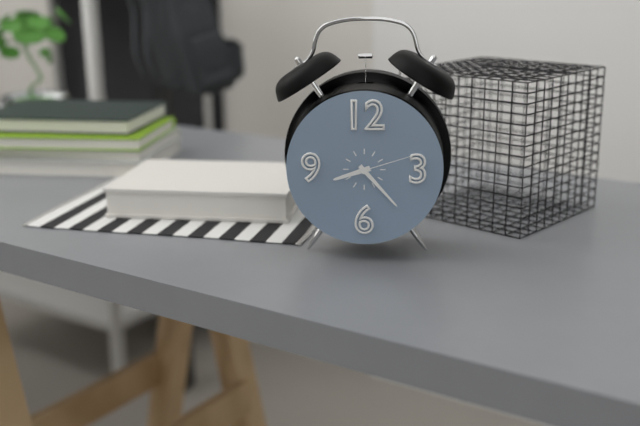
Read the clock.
8:23:12
